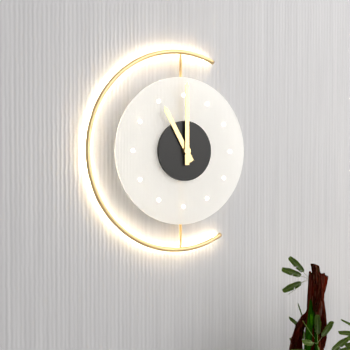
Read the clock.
11:00
